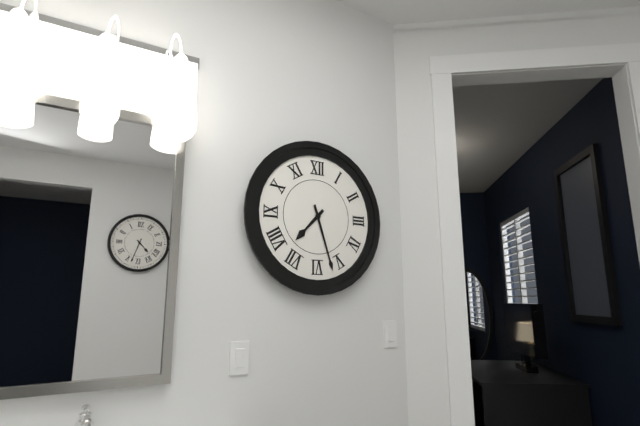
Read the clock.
7:27
